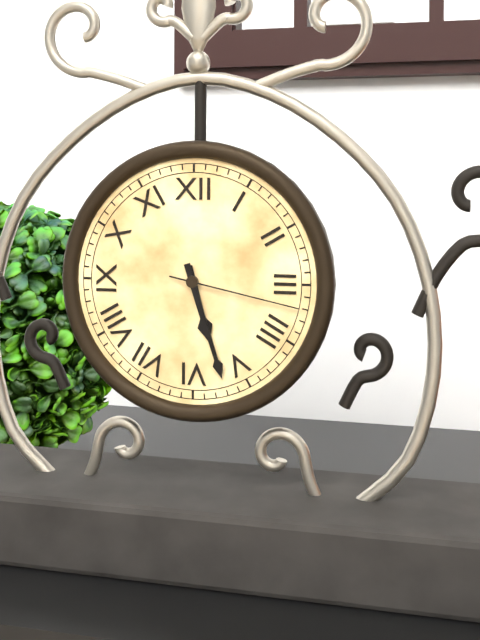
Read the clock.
5:27:17
